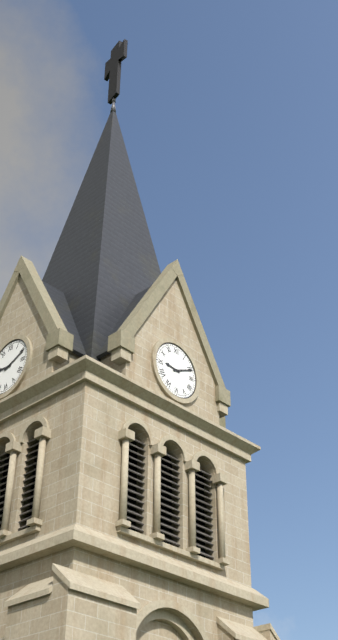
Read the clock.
9:11
